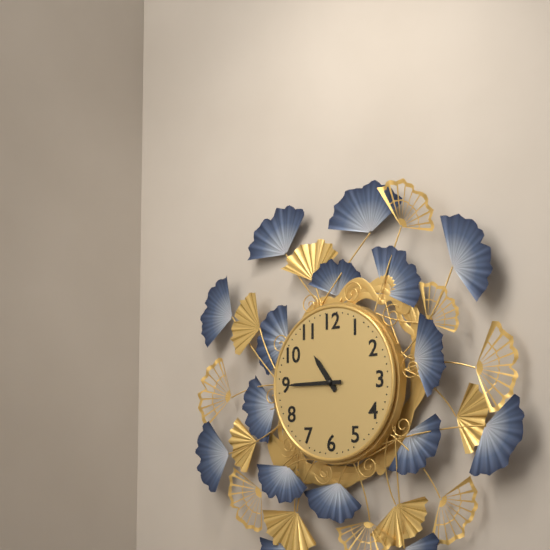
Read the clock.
10:45
